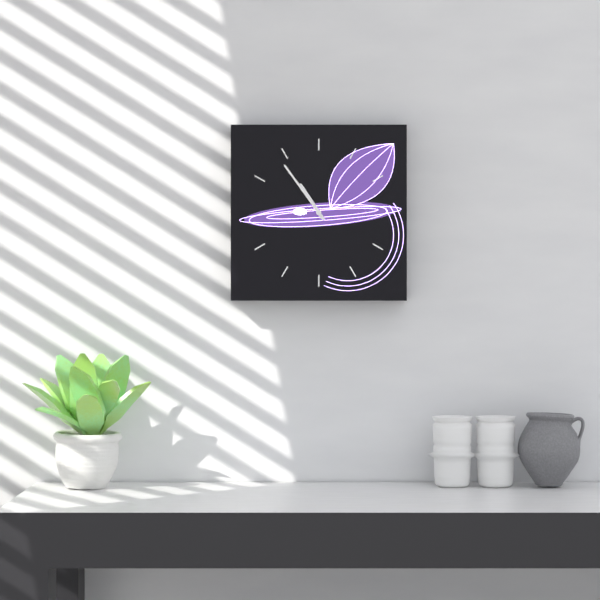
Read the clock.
10:54
